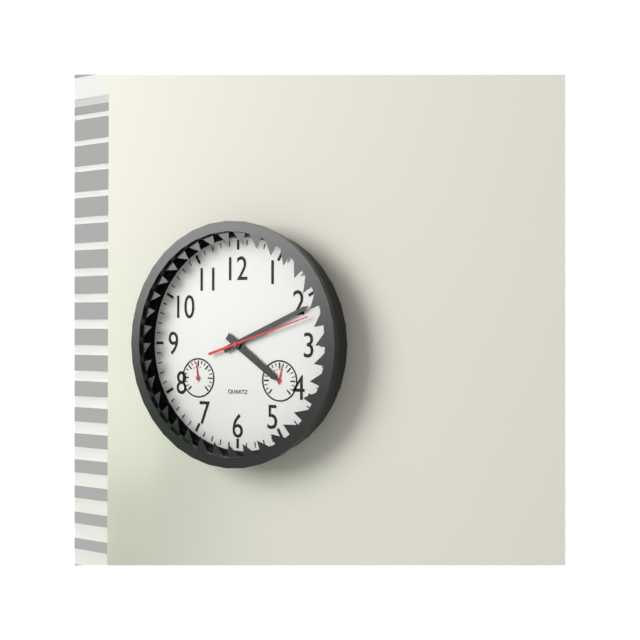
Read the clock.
4:11:12
